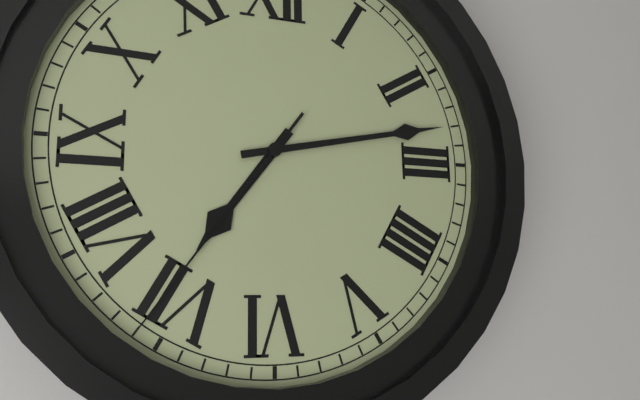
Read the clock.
7:13:36
